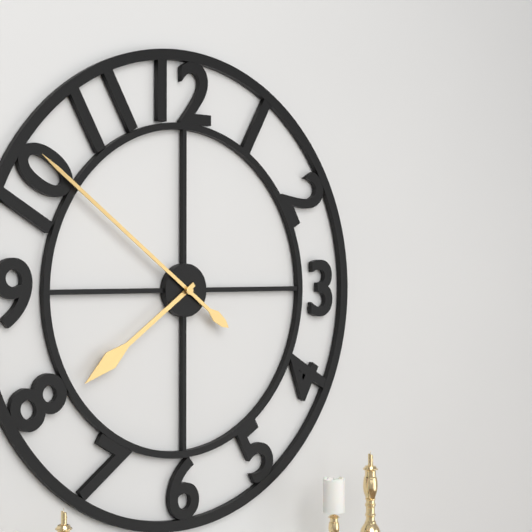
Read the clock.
7:51
